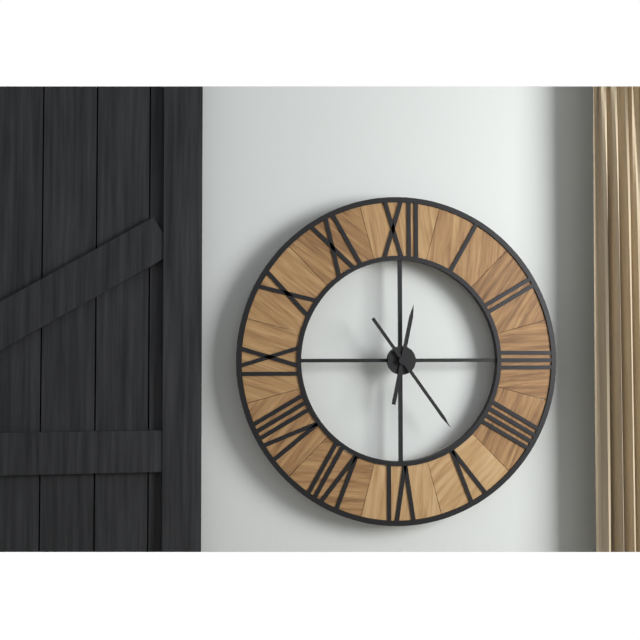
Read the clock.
12:24
